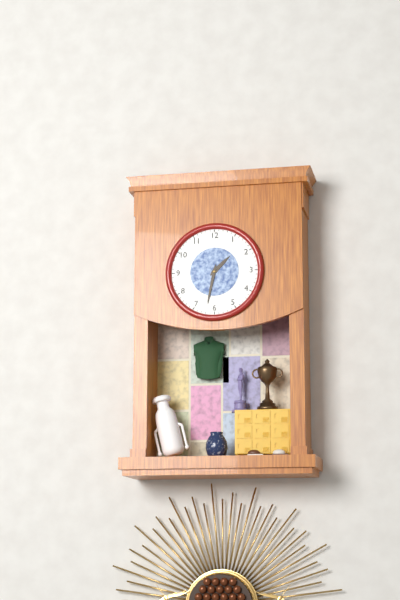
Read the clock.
1:32
